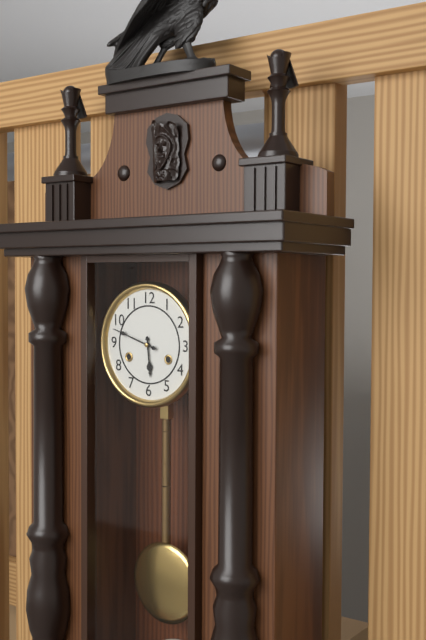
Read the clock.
5:48
